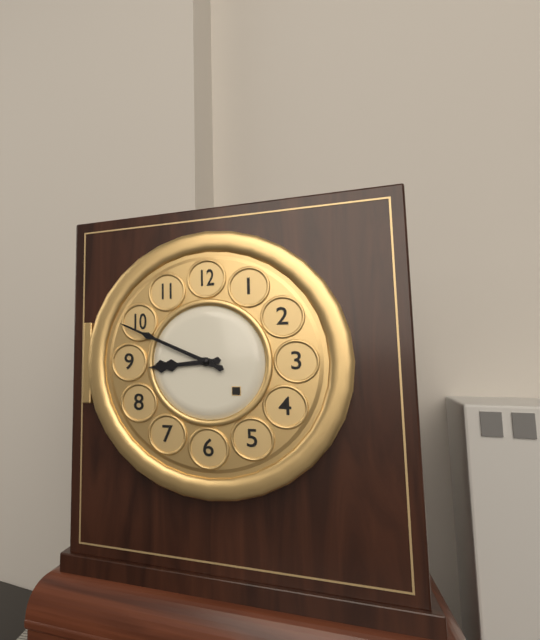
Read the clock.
8:49
